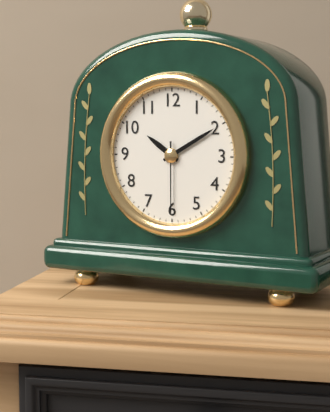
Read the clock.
10:10:30
